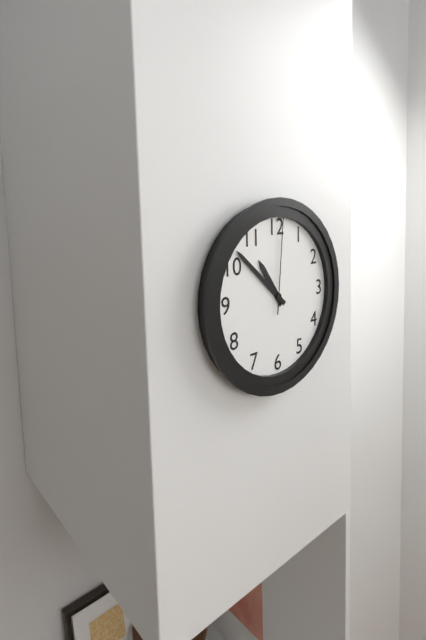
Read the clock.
10:52:01
